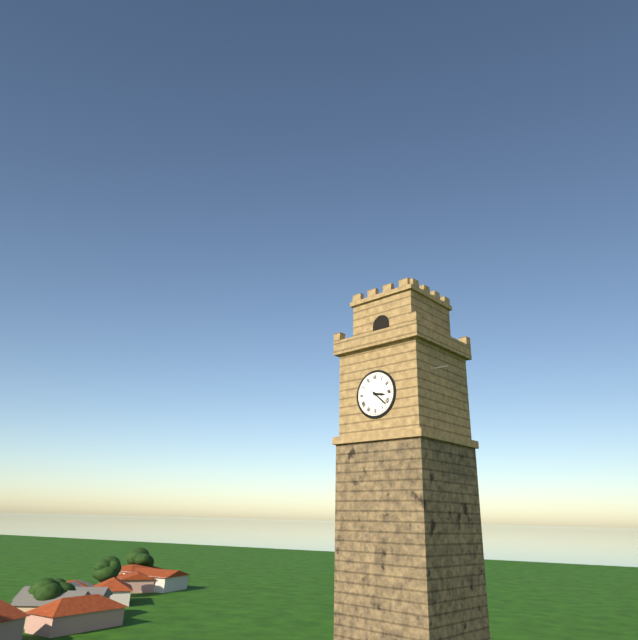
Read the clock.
3:22
